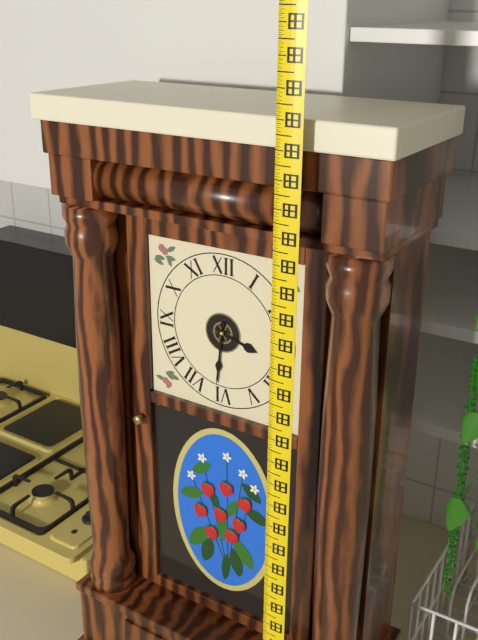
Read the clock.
3:31
